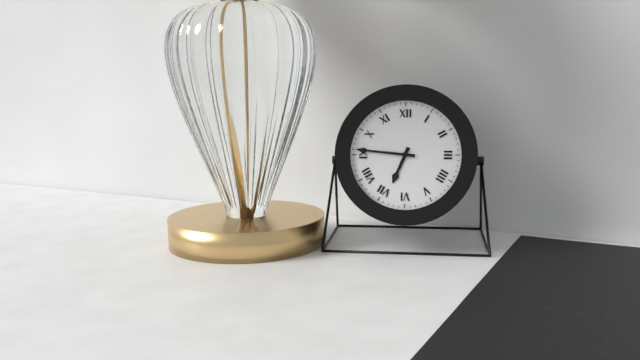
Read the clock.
6:46
